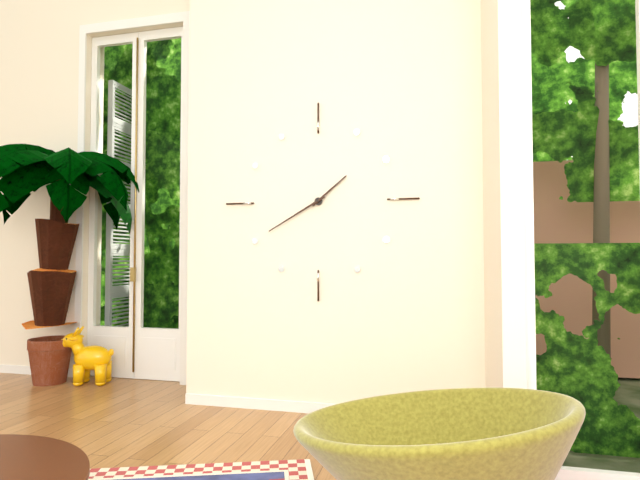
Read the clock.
1:40
